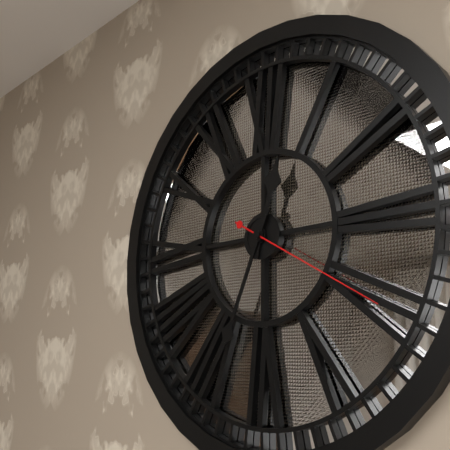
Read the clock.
12:34:20
